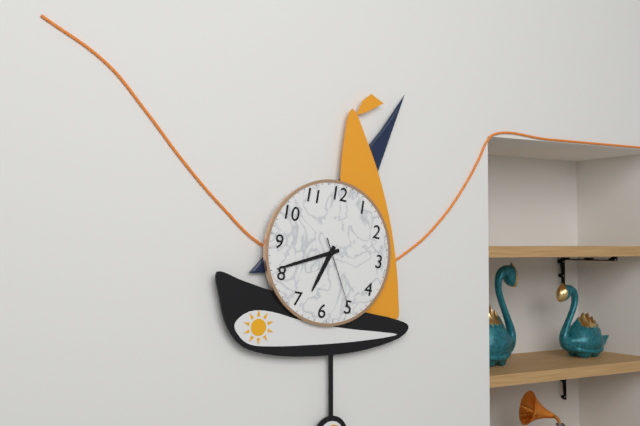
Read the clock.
6:41:25
